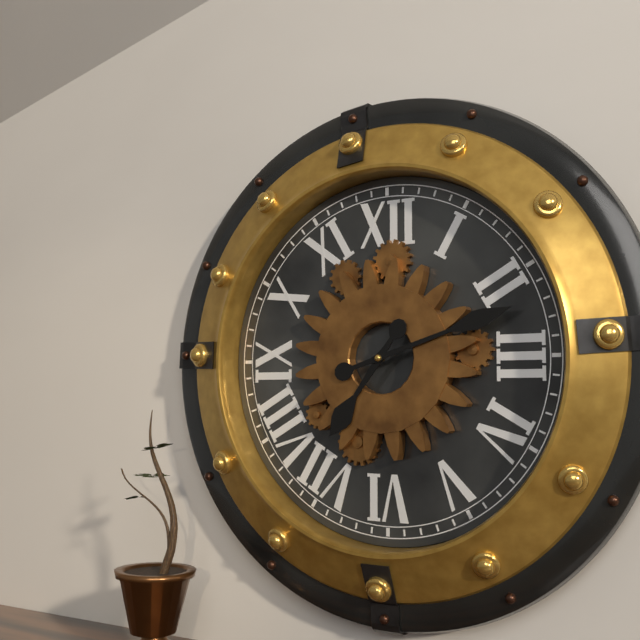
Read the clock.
7:12
